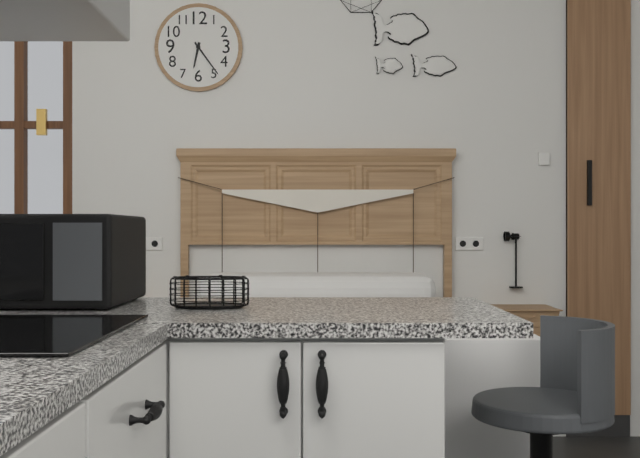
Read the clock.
6:24
